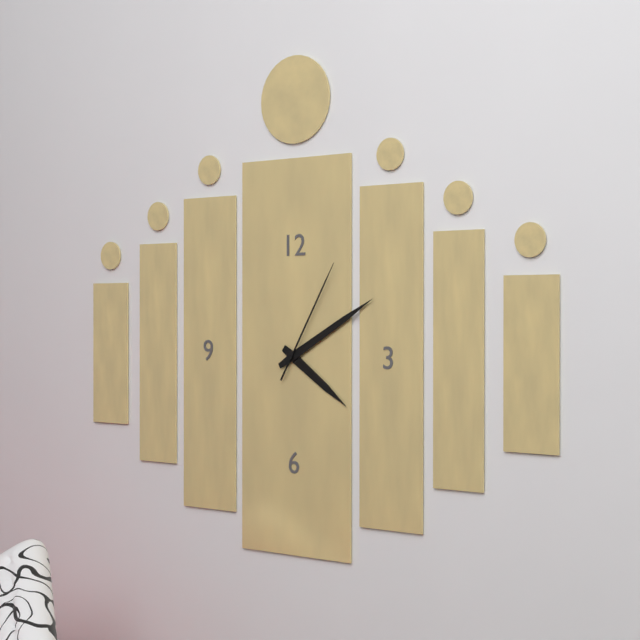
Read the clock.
4:10:05
